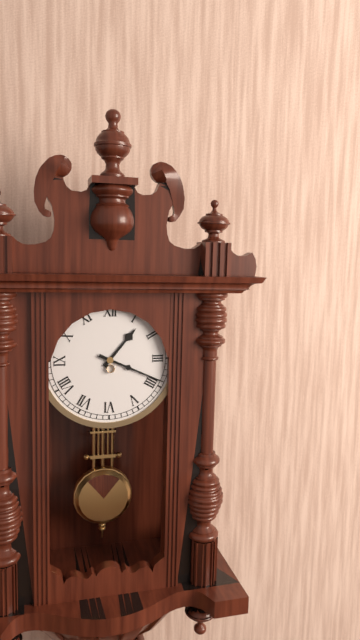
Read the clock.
1:19
